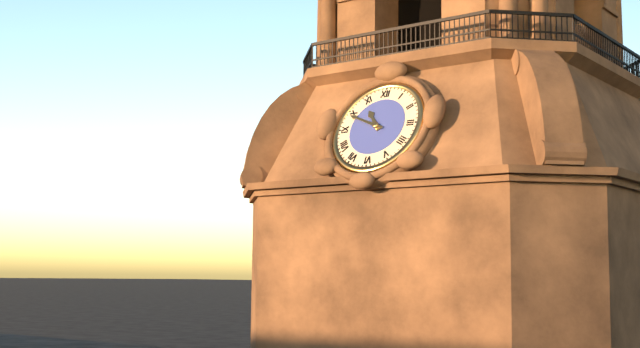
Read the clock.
10:49
